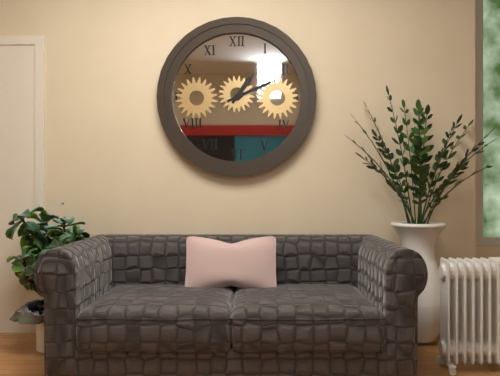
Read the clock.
1:11
